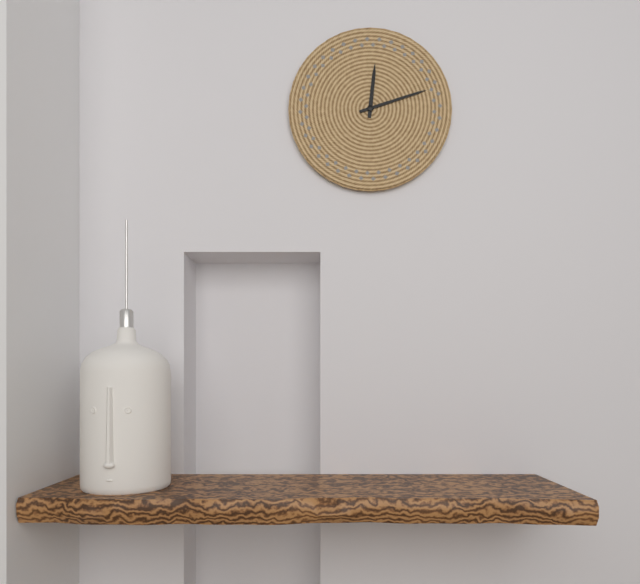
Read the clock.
12:12
